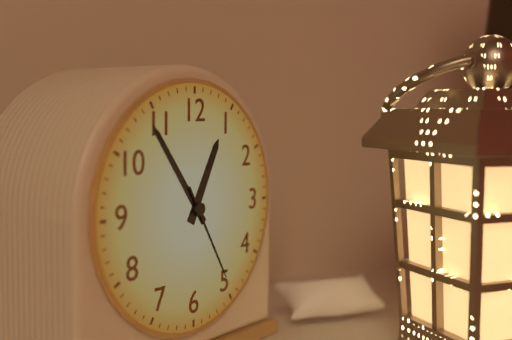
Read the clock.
12:54:25
